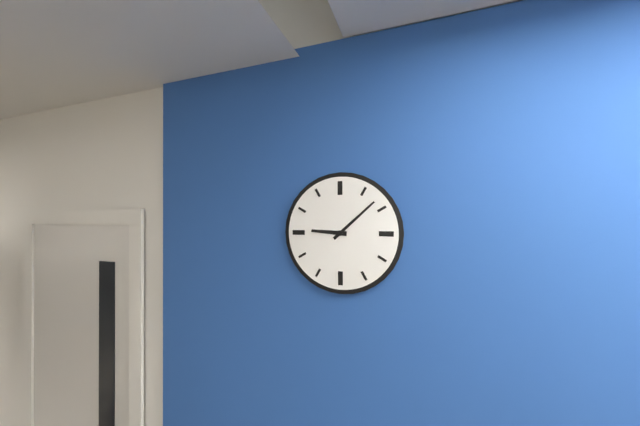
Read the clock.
9:08
